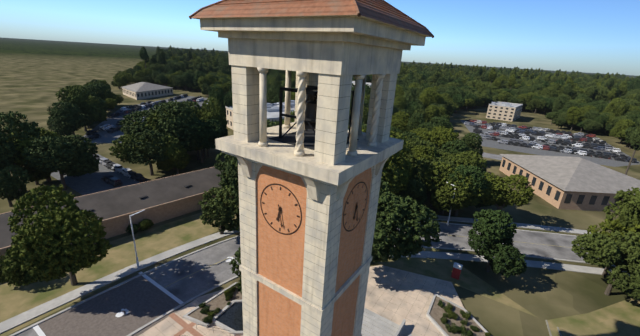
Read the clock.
6:28
